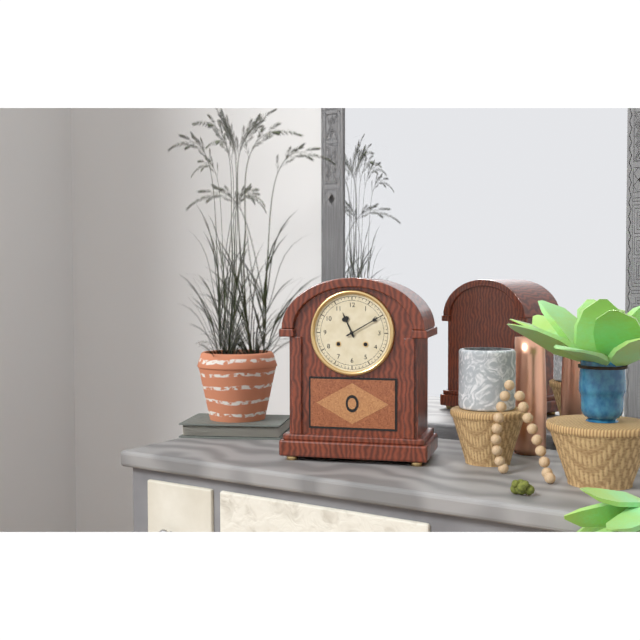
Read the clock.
11:10
